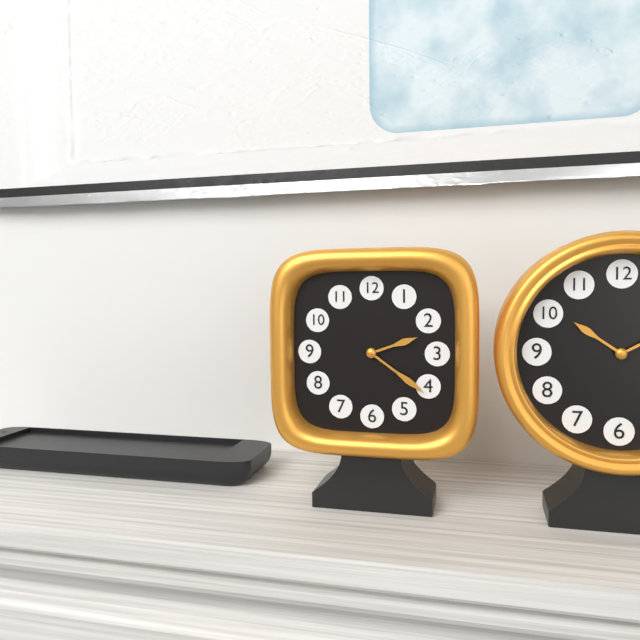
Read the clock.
2:21
